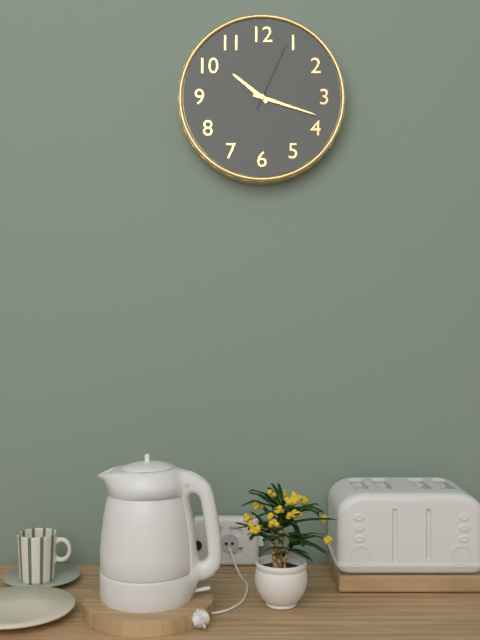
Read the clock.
10:18:04
